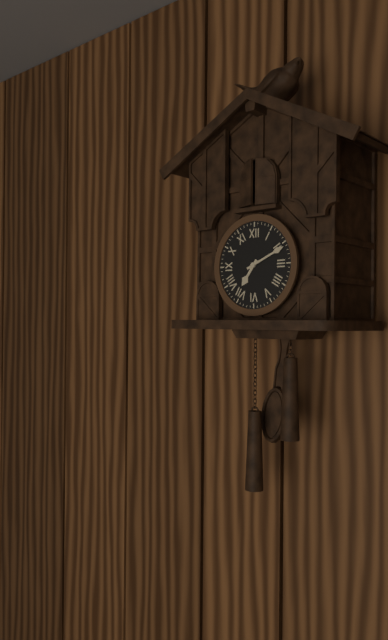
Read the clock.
7:11
